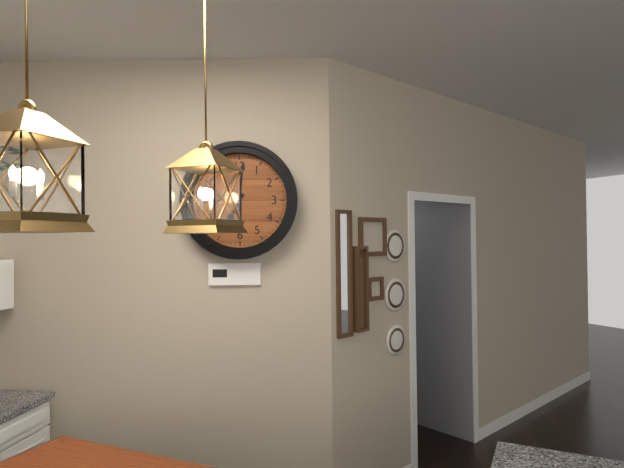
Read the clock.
7:01
